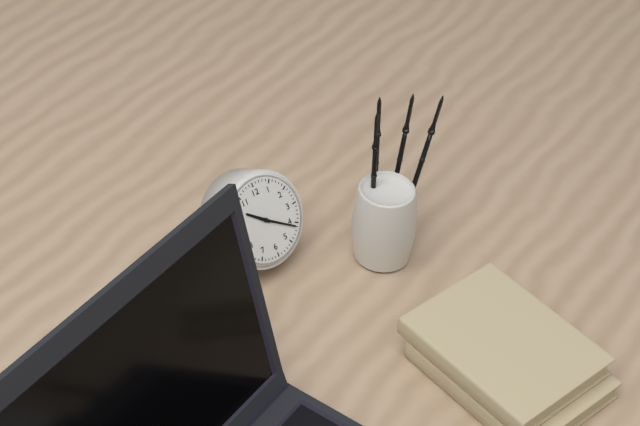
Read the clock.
10:21
